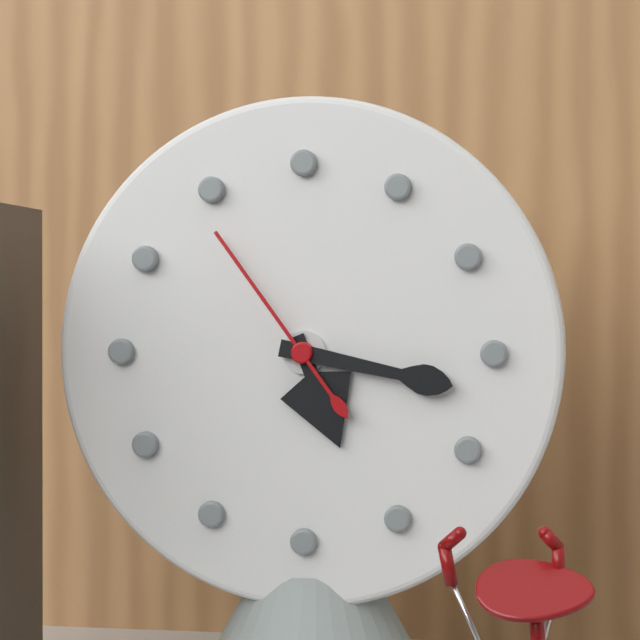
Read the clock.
5:17:54
